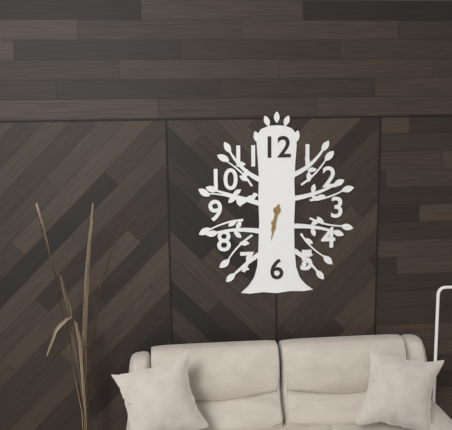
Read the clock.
6:32
